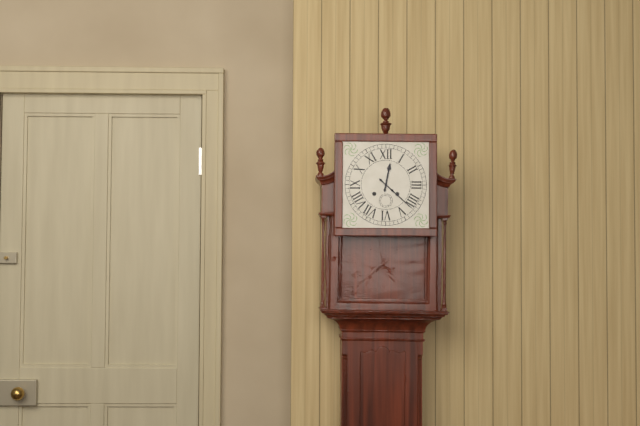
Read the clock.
12:22
